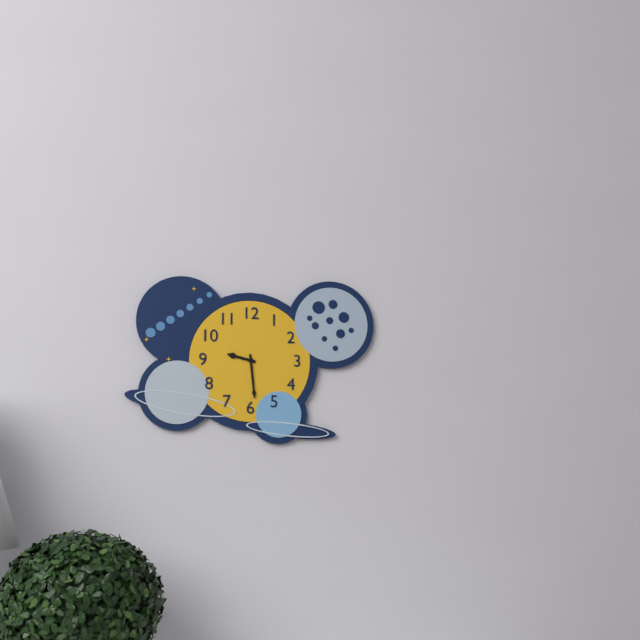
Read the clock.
9:29
